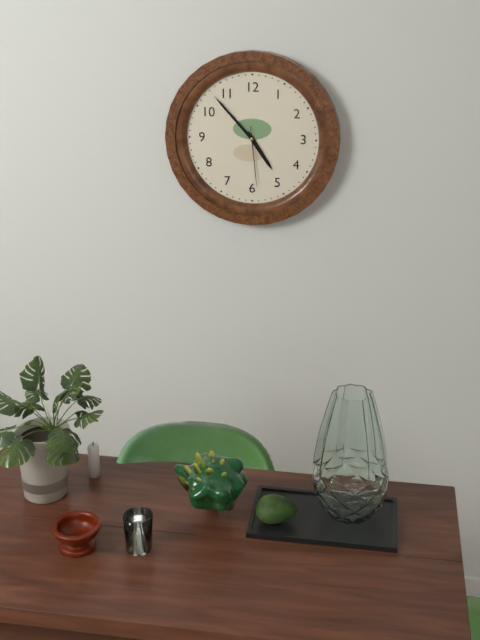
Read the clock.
4:53:29
